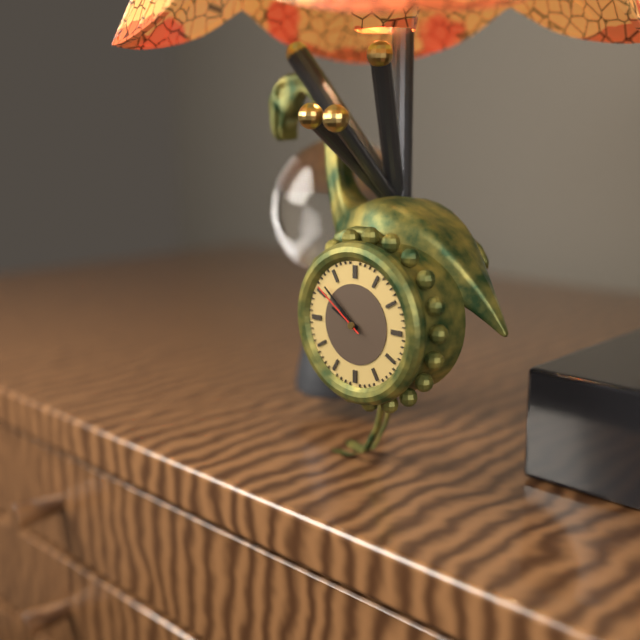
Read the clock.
9:52:51
